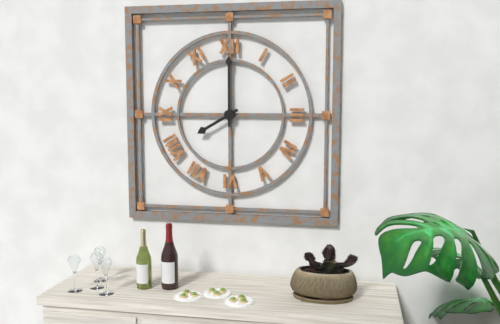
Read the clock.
8:00
